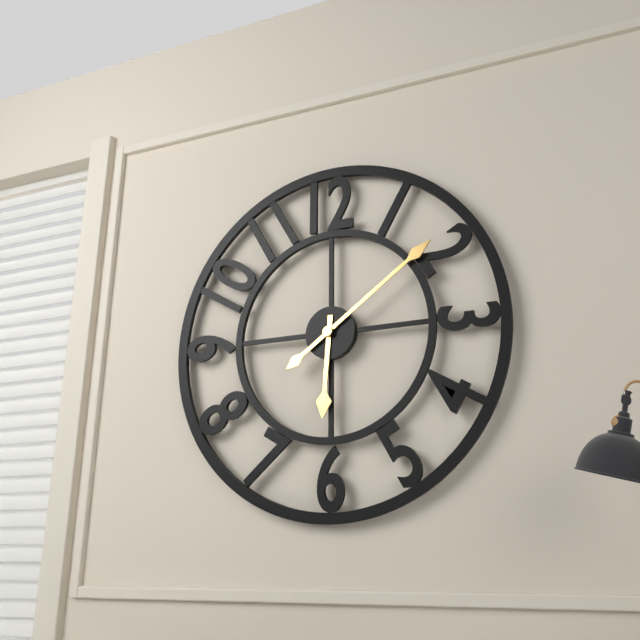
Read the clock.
6:09
